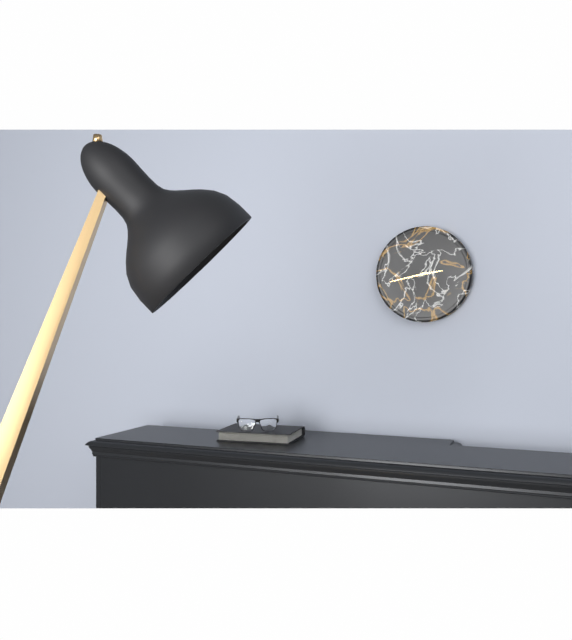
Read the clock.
2:43
